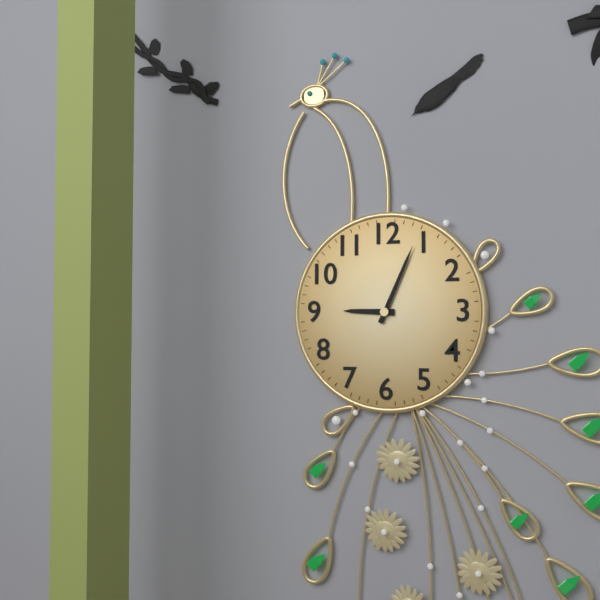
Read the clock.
9:04
